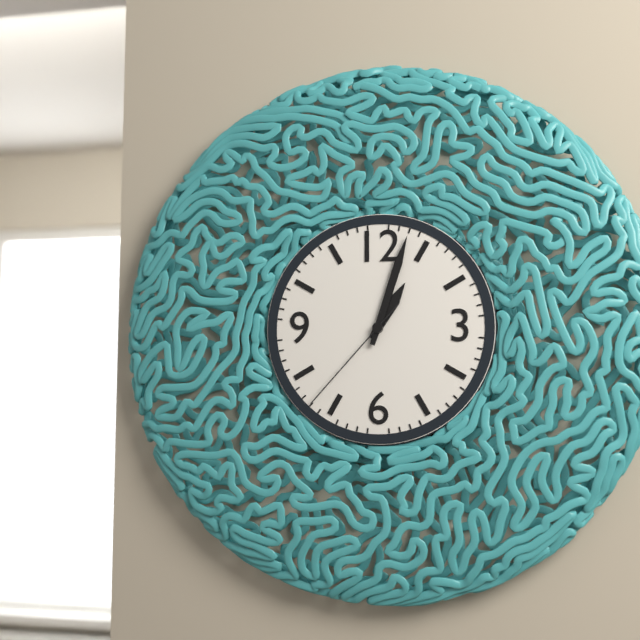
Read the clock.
1:03:37
